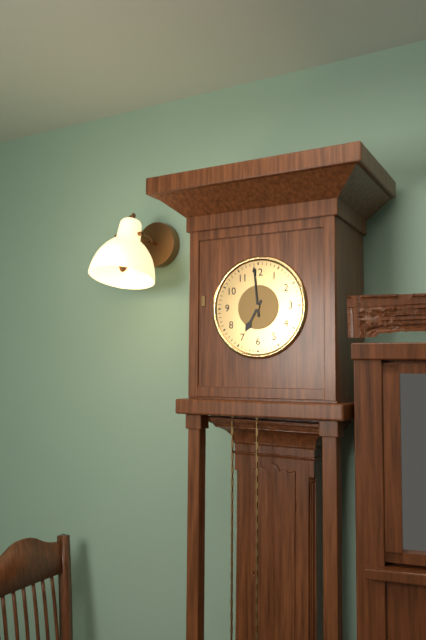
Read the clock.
6:59
